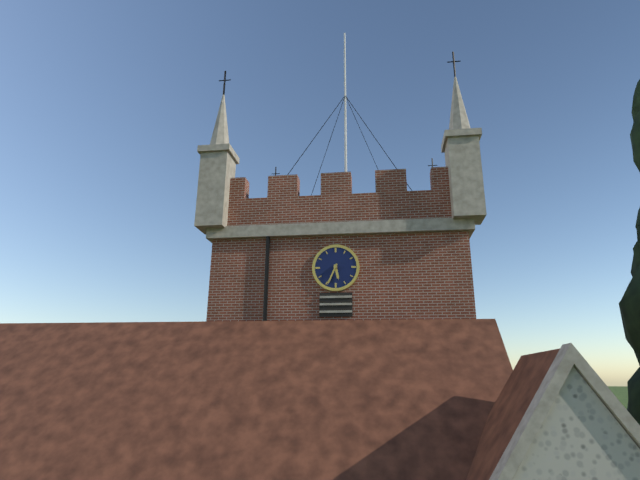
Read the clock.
5:34
